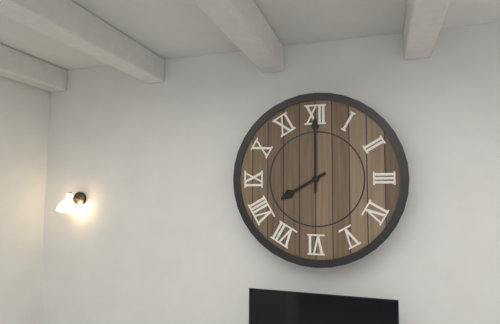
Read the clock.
8:00
